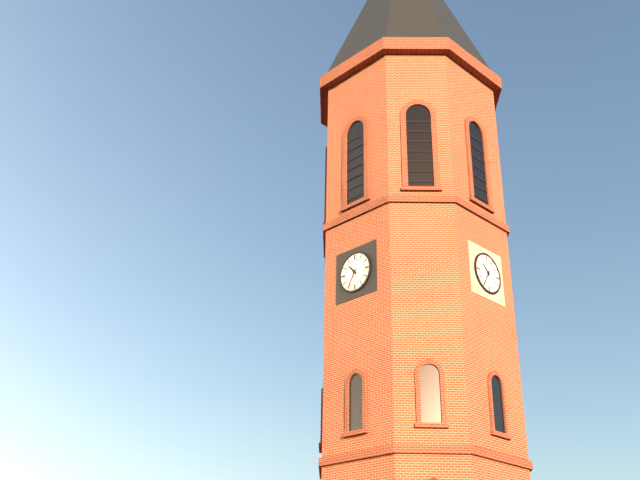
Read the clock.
10:35
